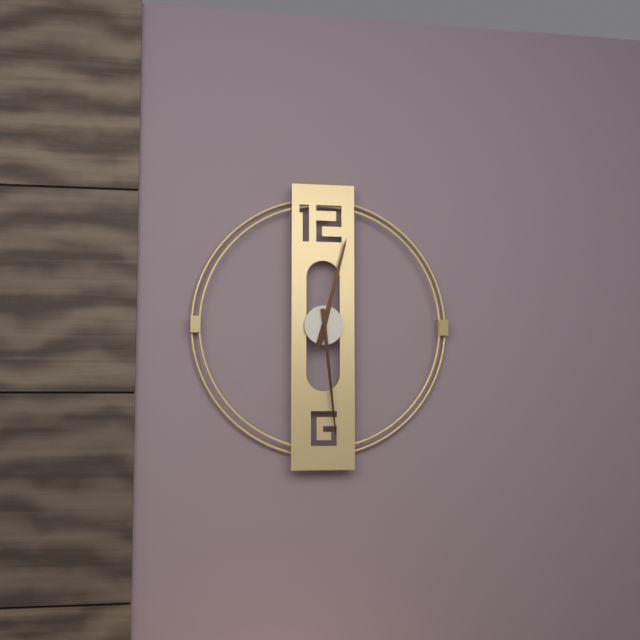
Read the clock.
12:29
